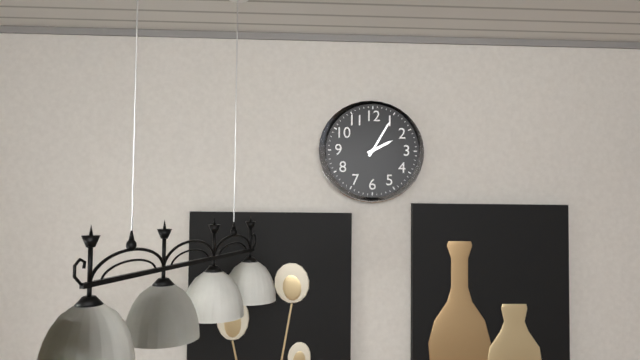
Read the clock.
2:05
